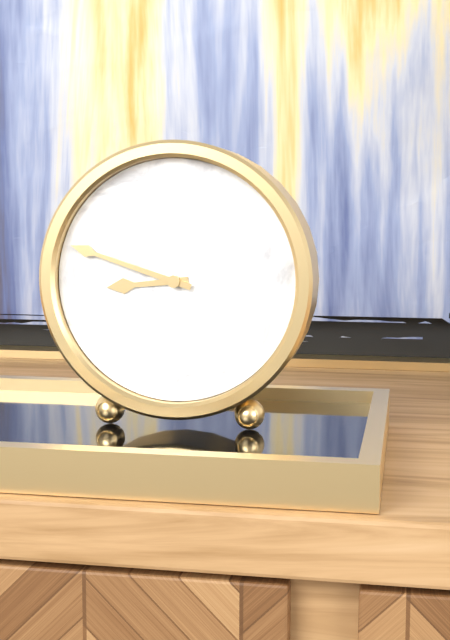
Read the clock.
8:48
